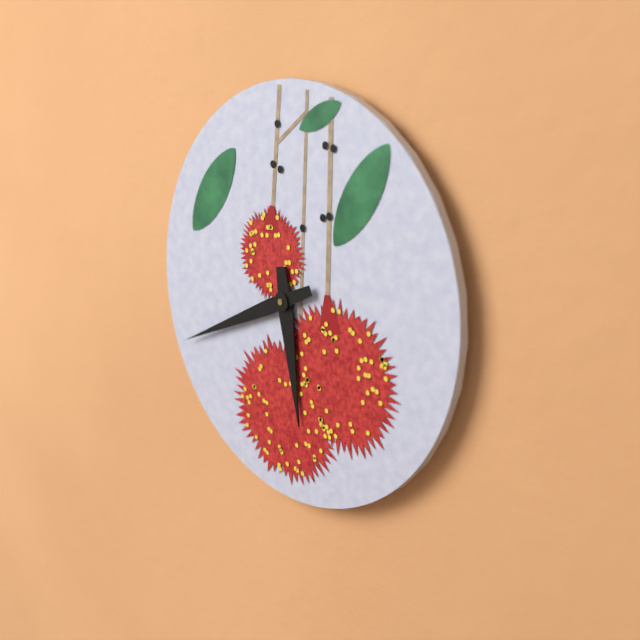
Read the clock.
5:41
